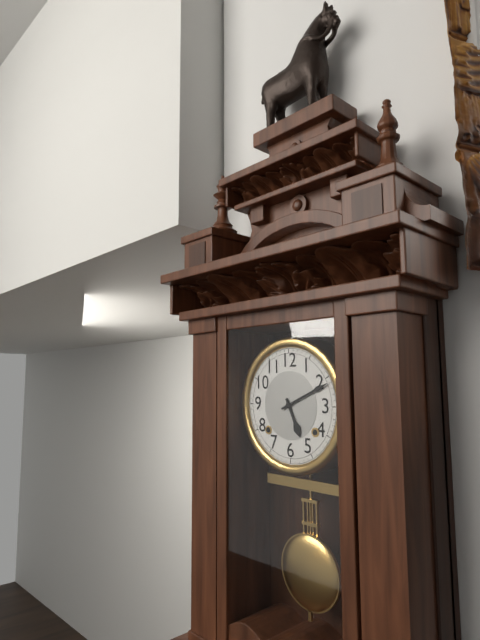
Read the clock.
5:11
